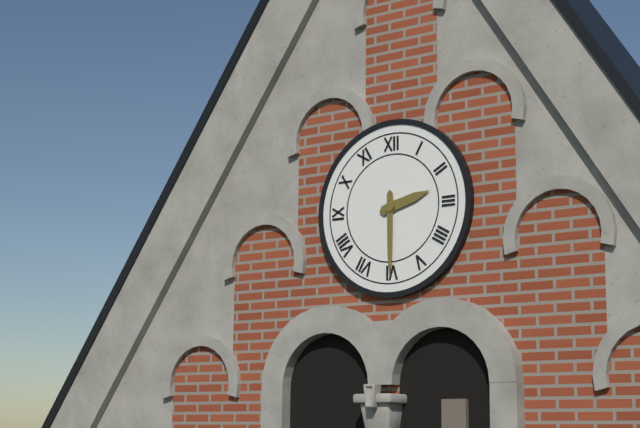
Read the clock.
2:30
